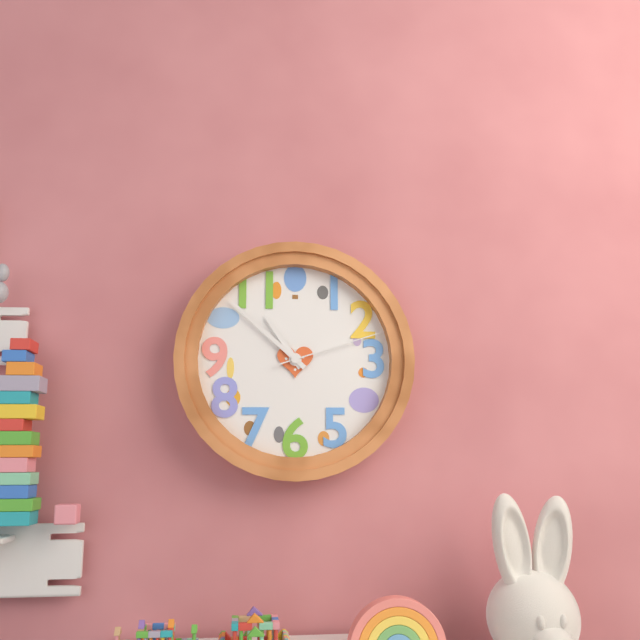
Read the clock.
10:52:12
